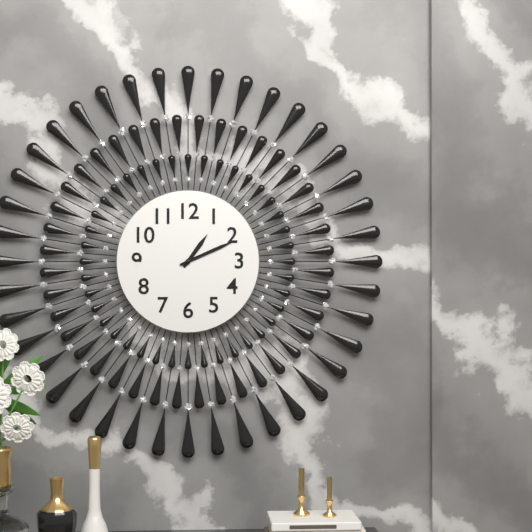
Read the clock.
1:11
